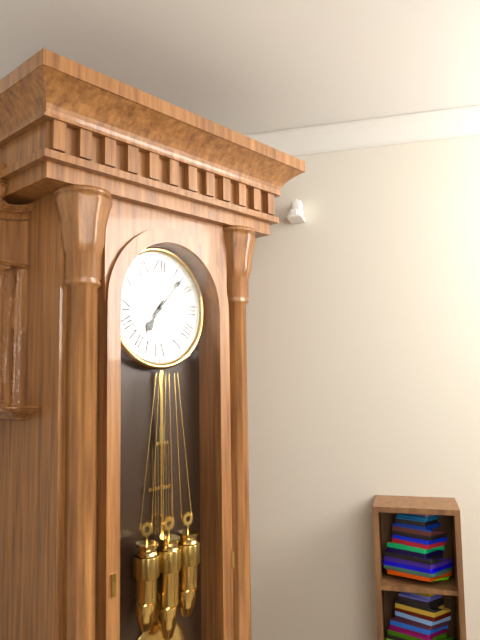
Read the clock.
7:07
